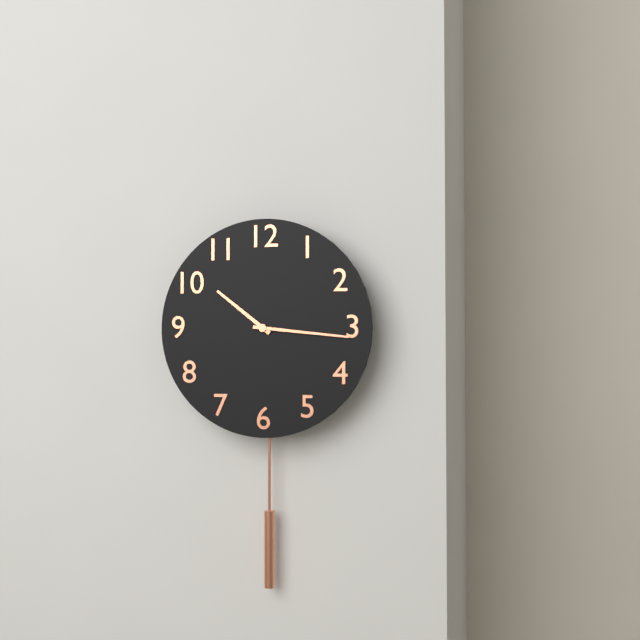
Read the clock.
10:16
